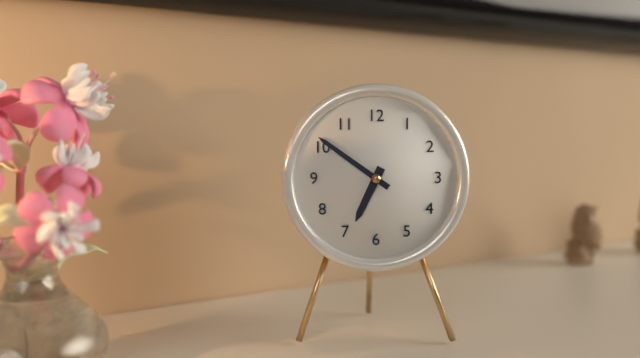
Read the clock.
6:51
